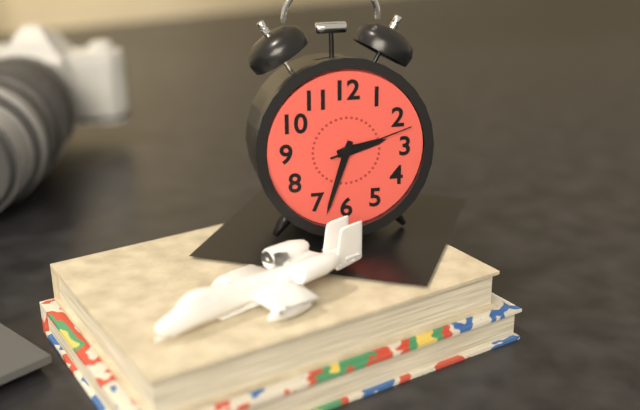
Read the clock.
2:33:12
